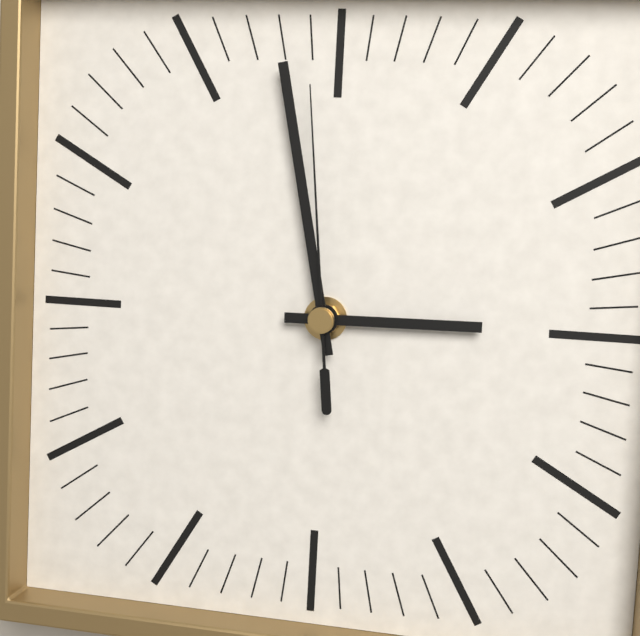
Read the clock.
2:58:59
